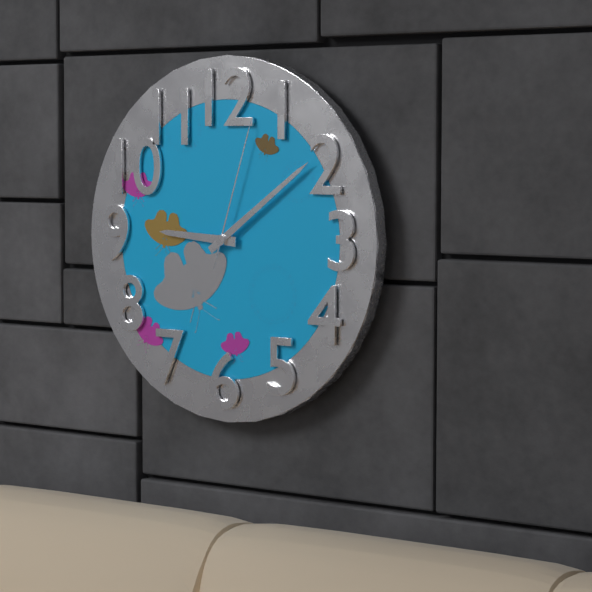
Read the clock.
9:09:03
